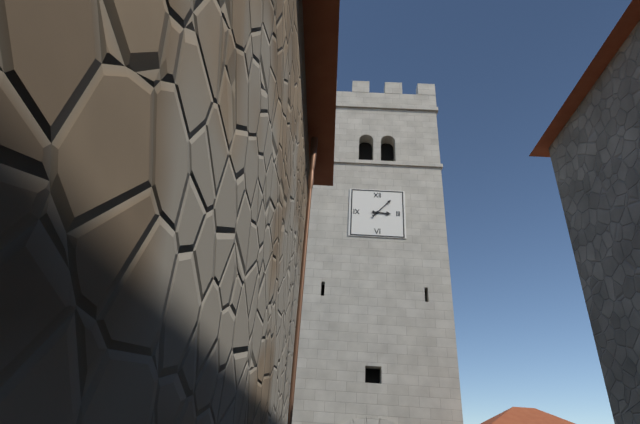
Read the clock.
3:07
